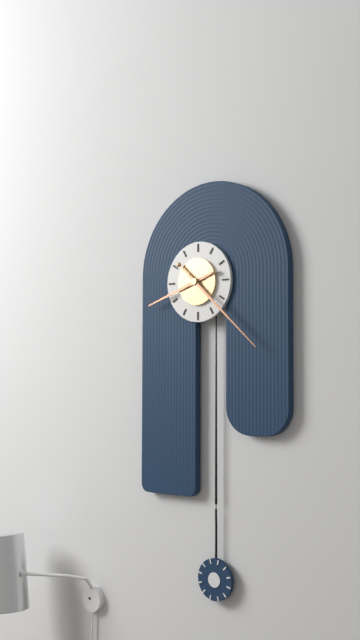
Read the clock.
8:22
